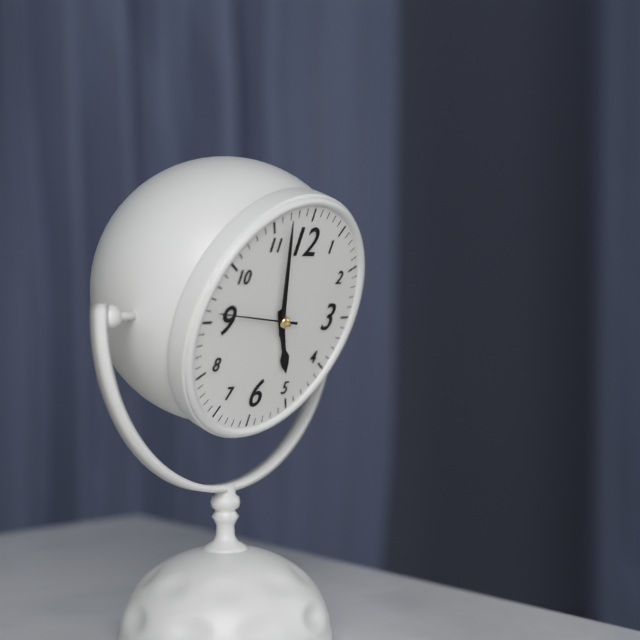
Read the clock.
4:57:46
